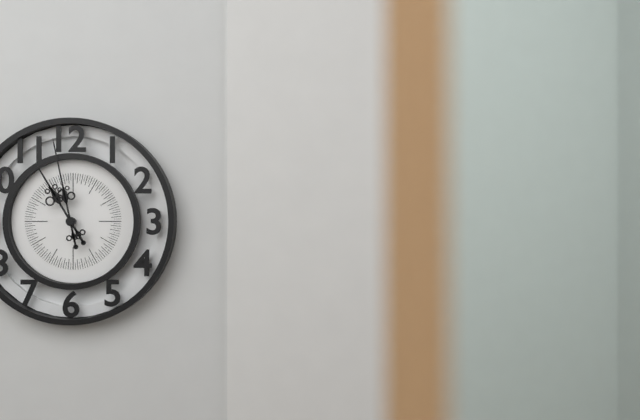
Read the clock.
10:58
